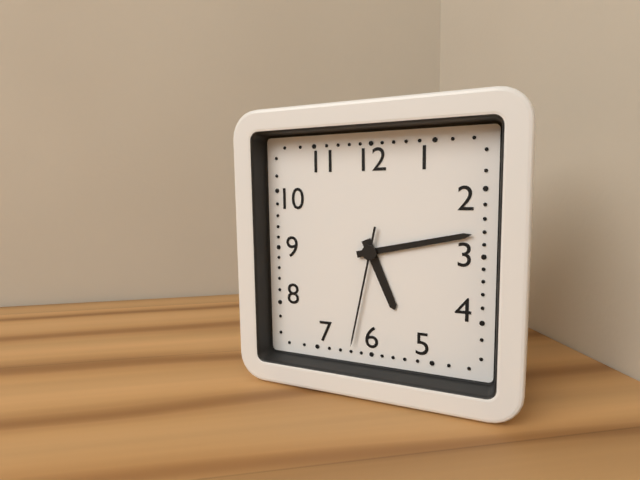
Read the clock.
5:13:32
